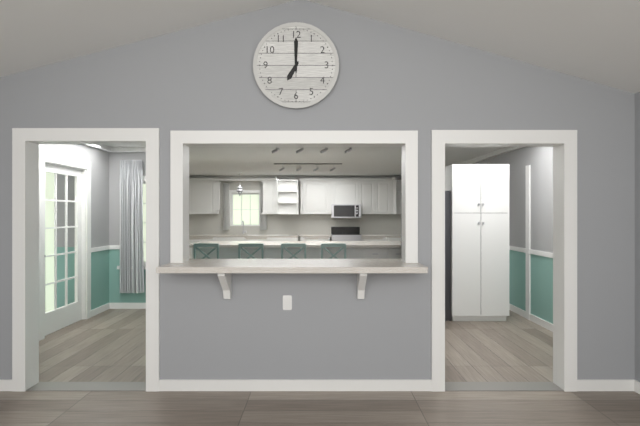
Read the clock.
7:00
